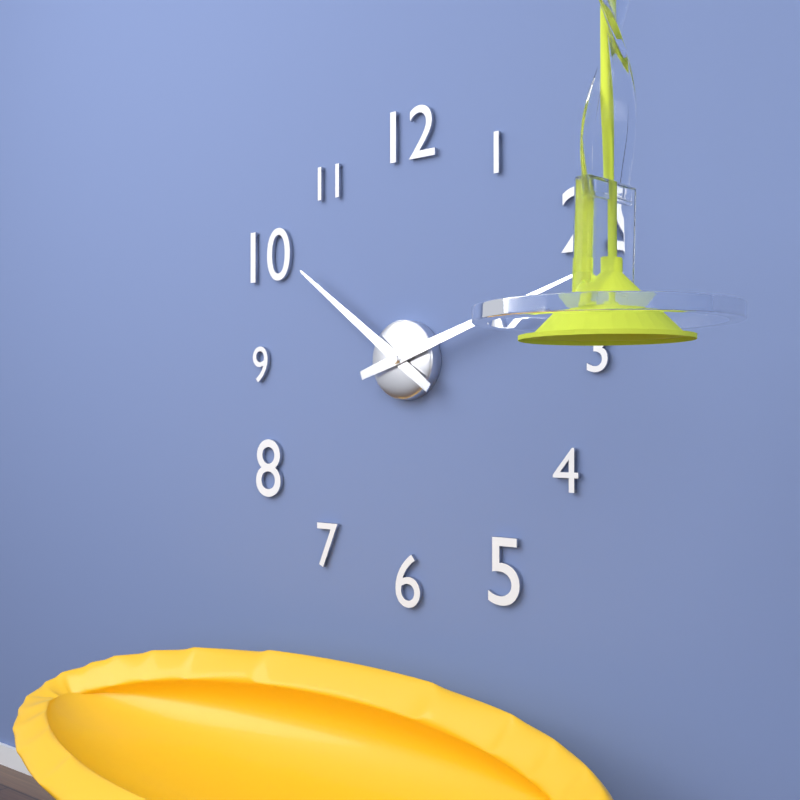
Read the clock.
10:12
